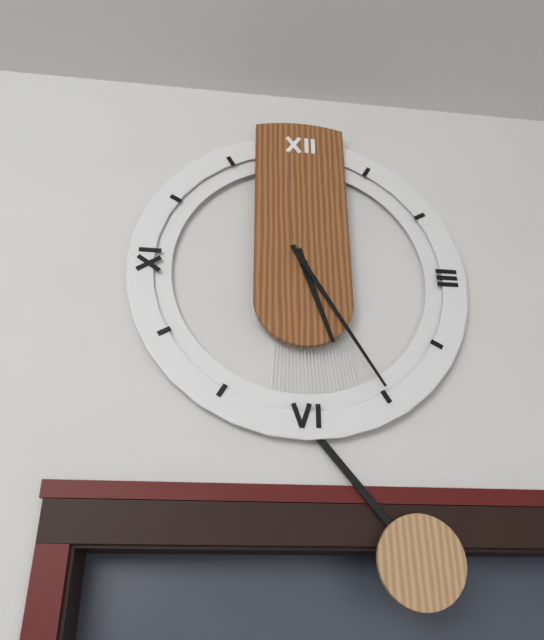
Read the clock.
5:25
